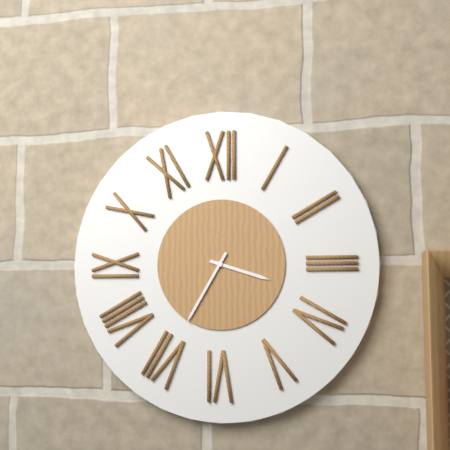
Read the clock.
3:35
